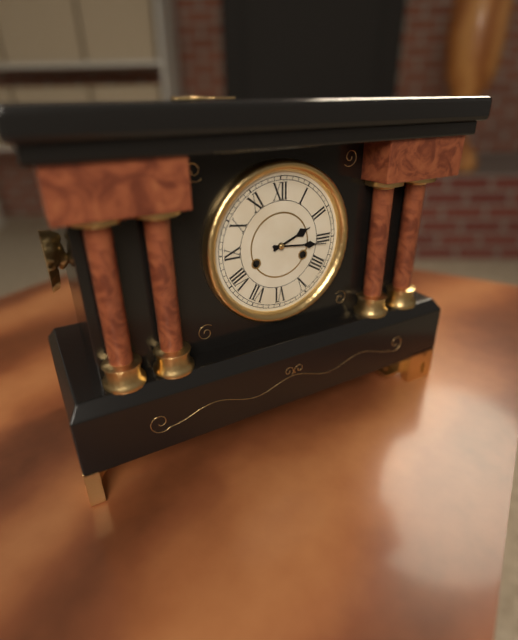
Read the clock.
2:16
